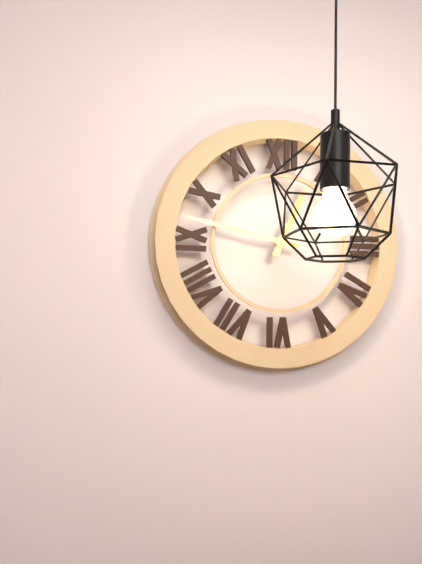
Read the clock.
12:47
